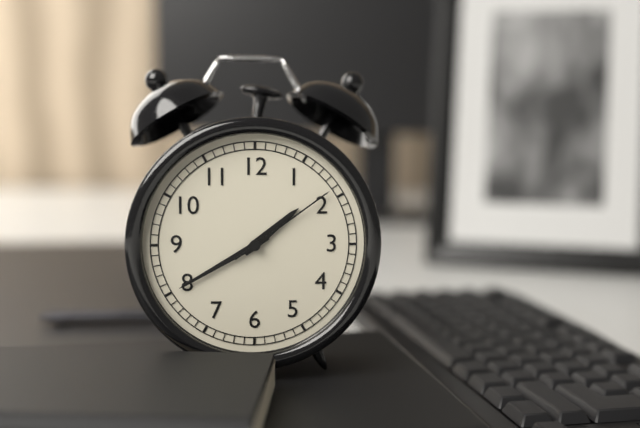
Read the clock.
1:40:09
